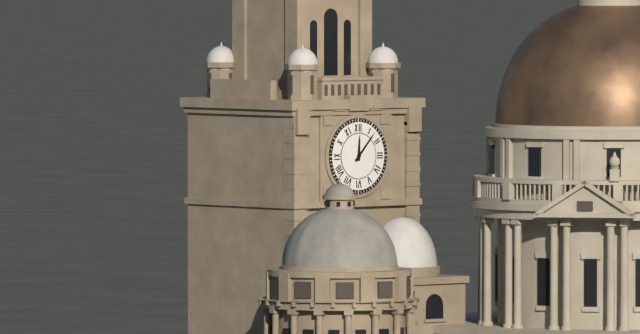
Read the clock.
12:07
